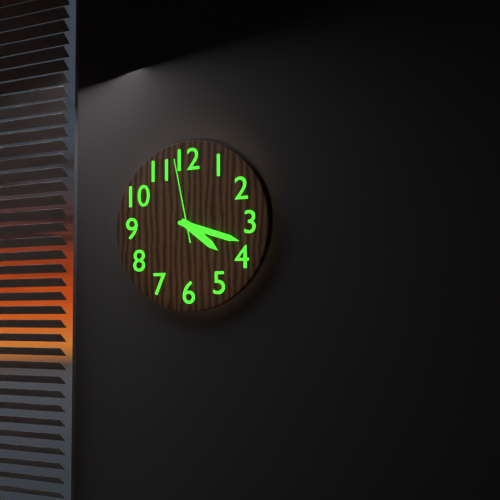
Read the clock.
4:18:58
